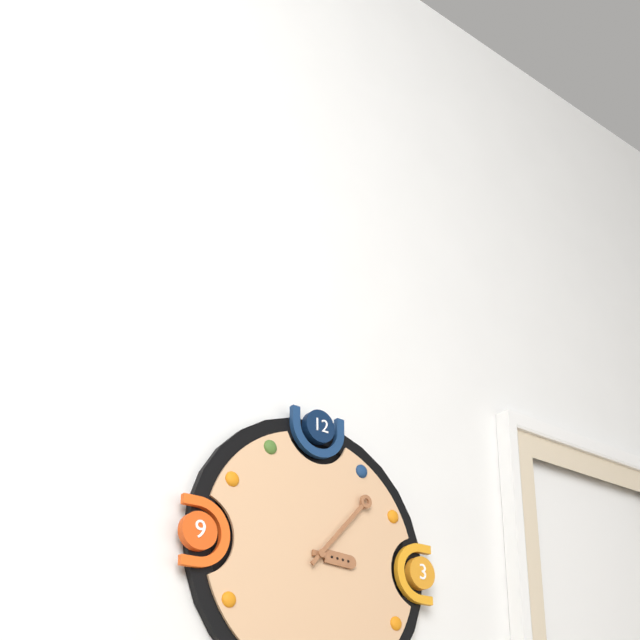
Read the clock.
3:07
